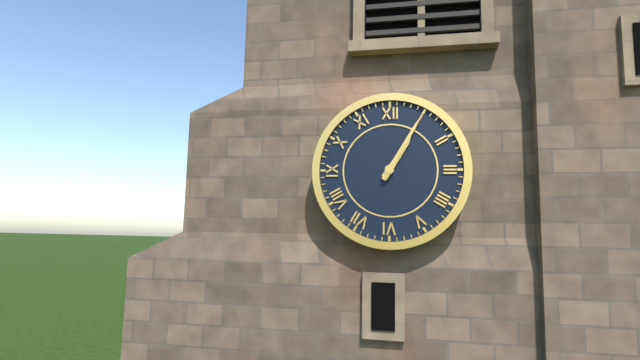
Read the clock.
1:05
